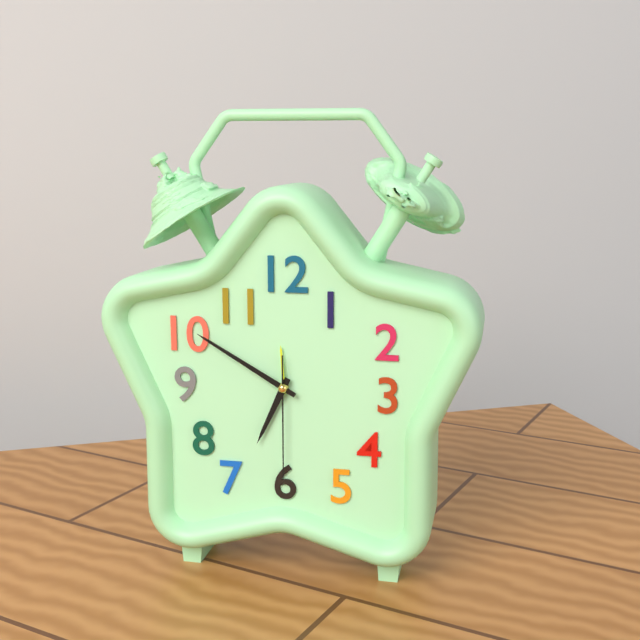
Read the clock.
6:50:30
